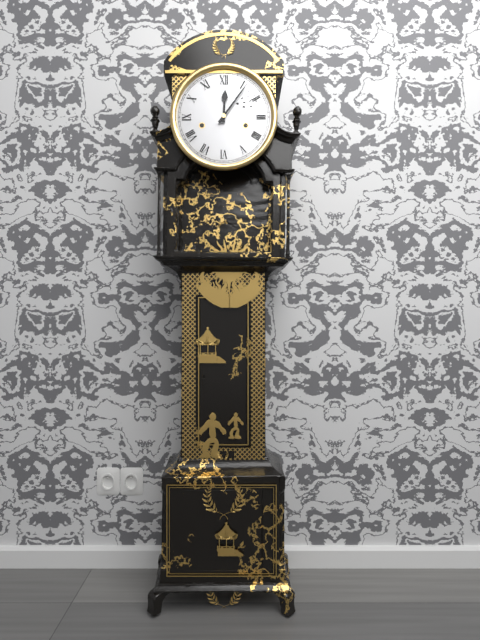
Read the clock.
12:06
